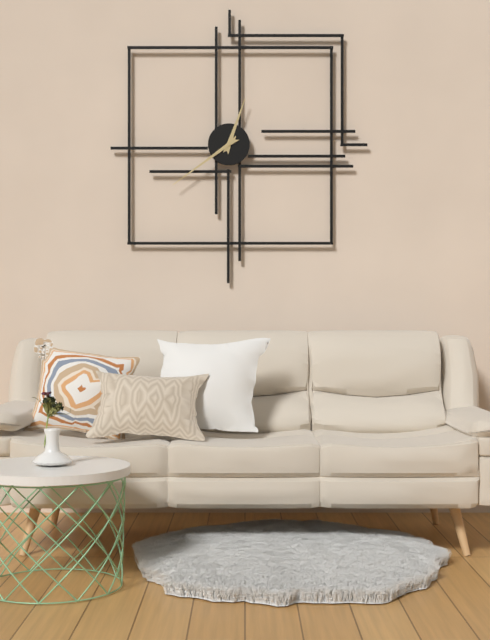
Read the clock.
12:39
